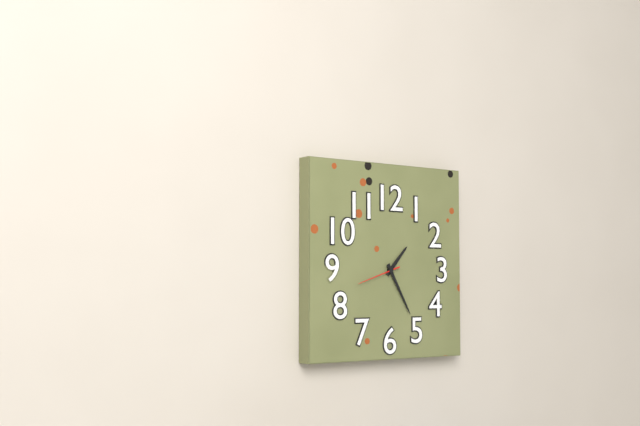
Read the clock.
1:25
